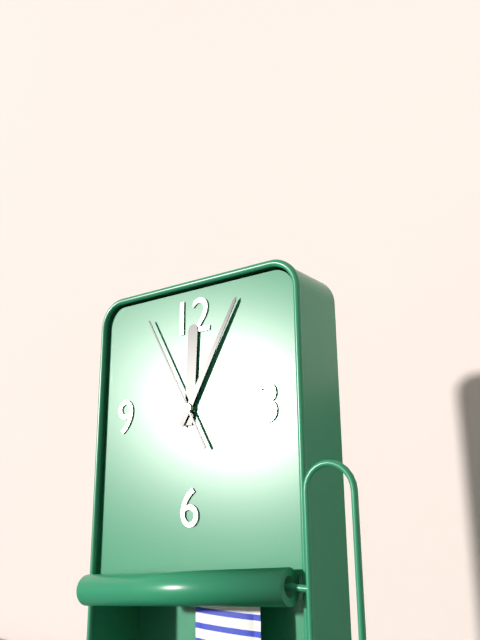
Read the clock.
12:05:55
